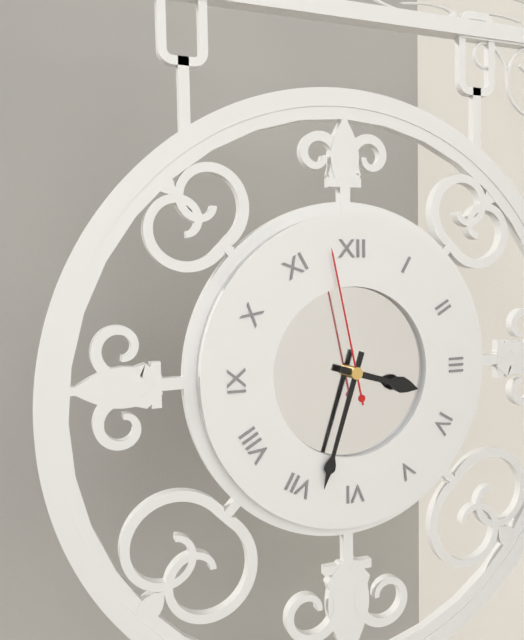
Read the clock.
3:33:58
